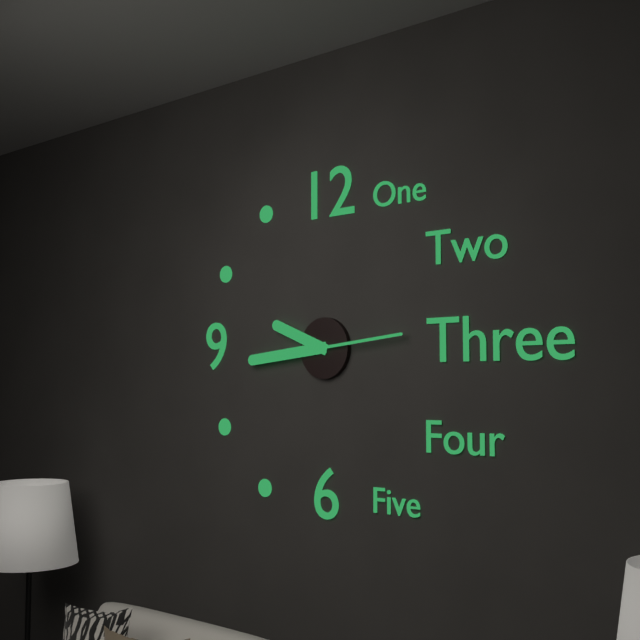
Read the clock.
9:44:14
